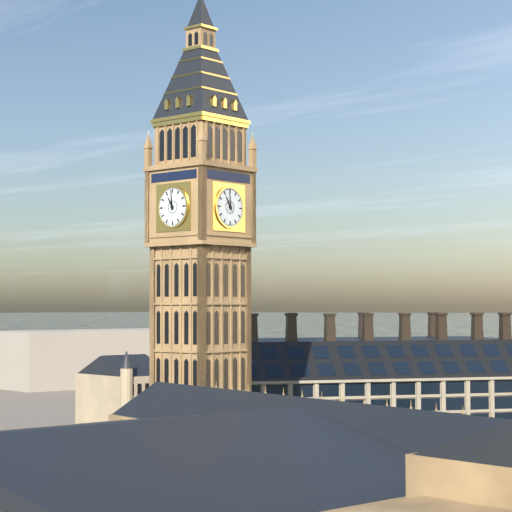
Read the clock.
10:59
